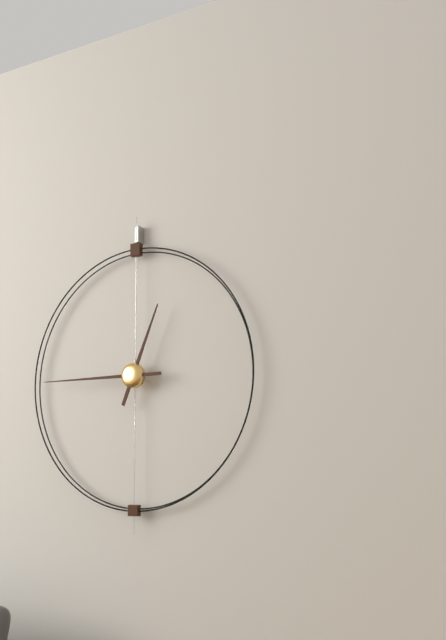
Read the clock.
12:45
